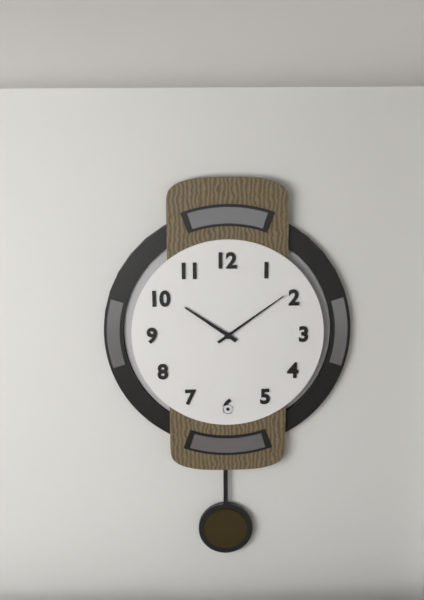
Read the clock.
10:09
